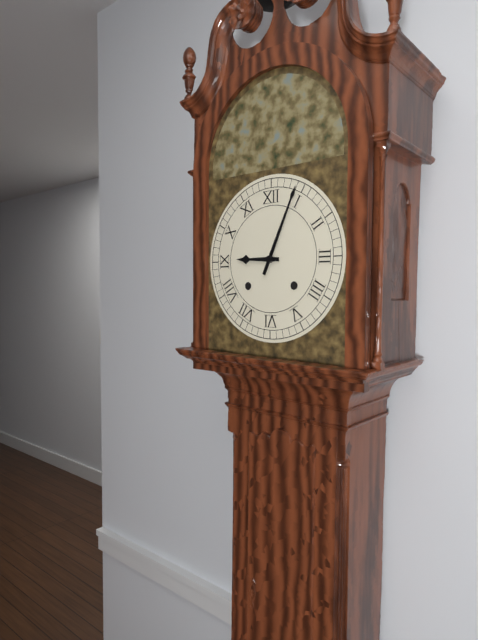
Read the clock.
9:04
